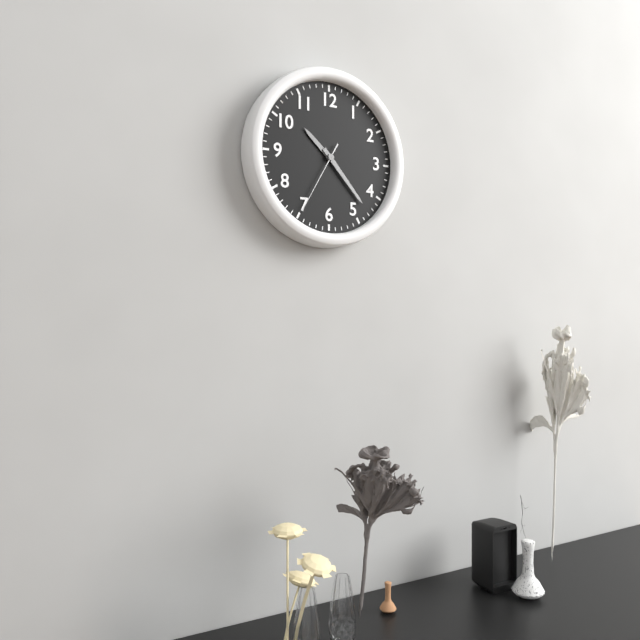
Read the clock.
10:23:35
